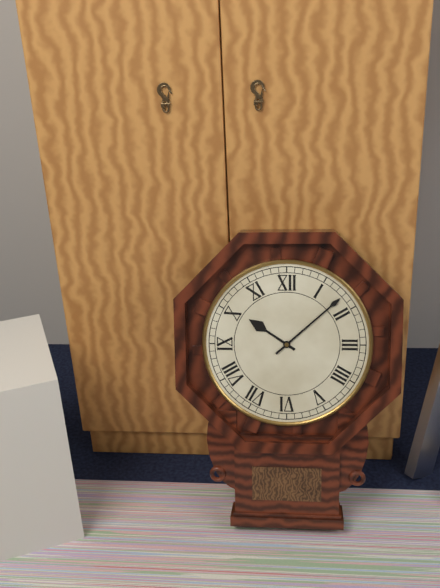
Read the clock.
10:08
